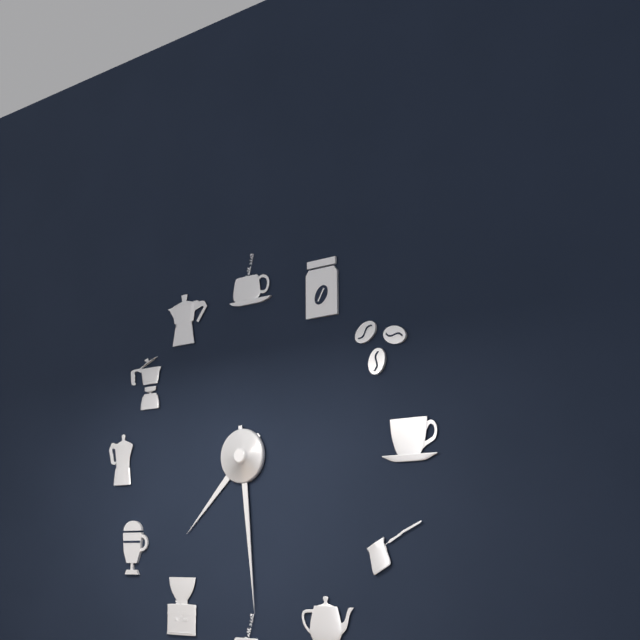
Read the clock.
7:29
